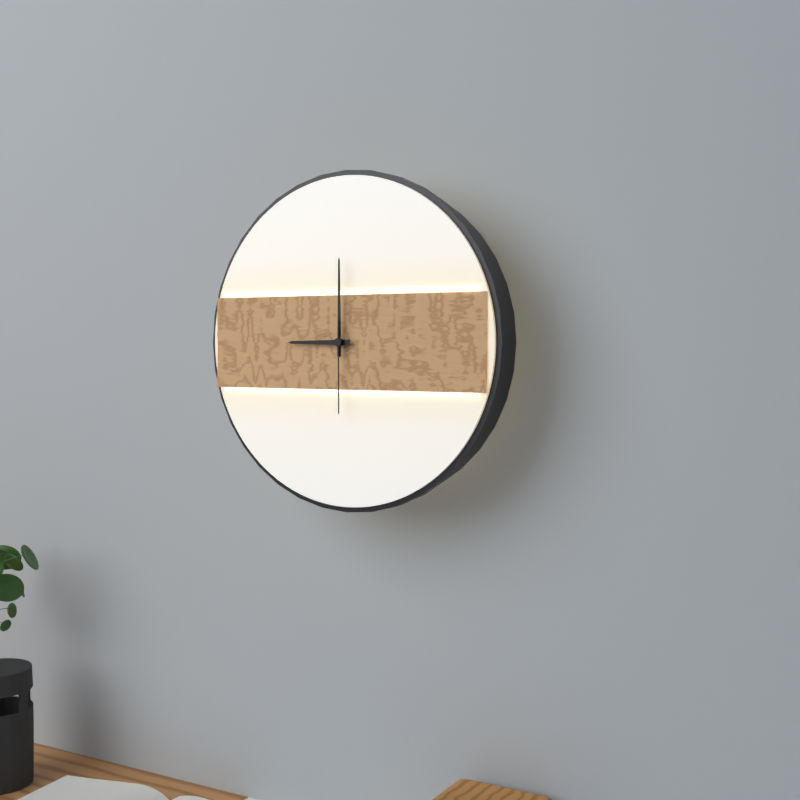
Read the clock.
9:00:30
